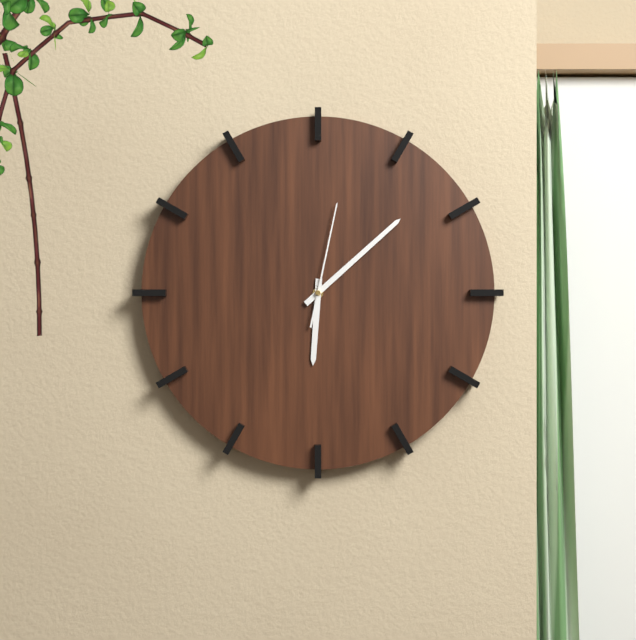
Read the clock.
6:08:02
